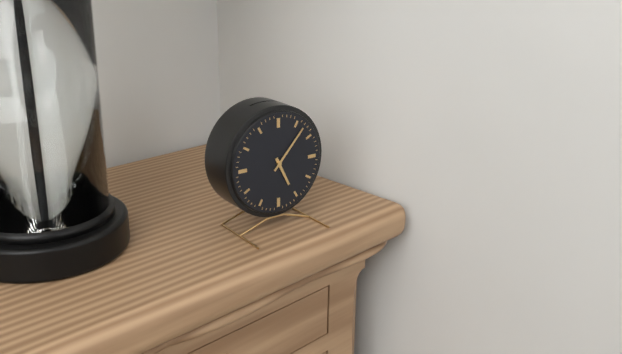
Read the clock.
5:07
